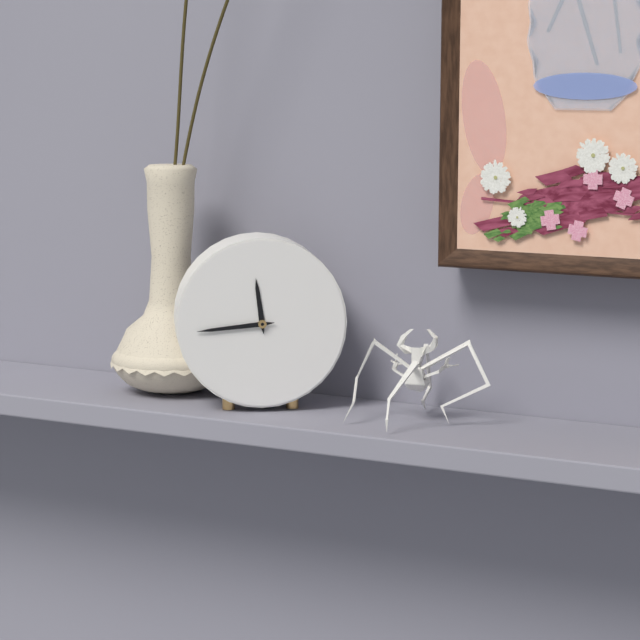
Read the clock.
11:44
